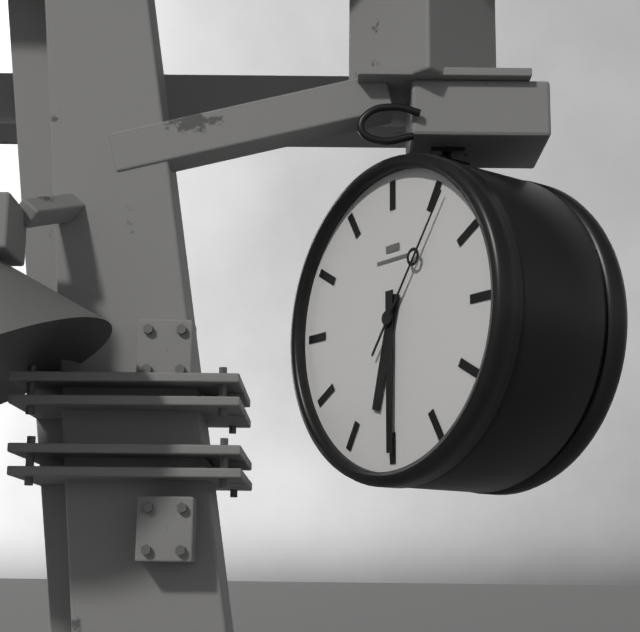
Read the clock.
6:30:06
